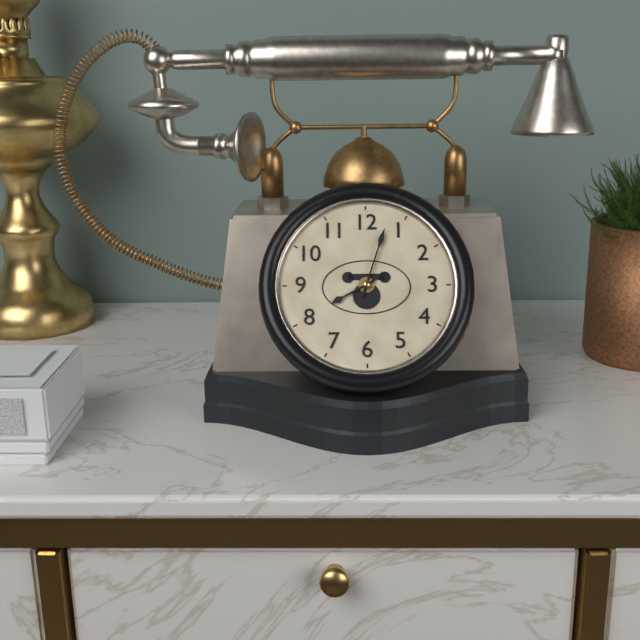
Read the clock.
8:03
